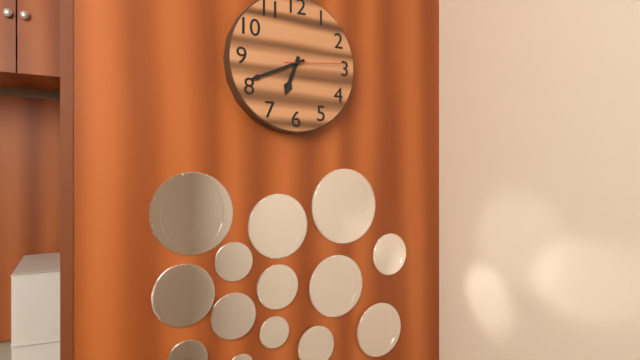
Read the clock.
6:41:14
